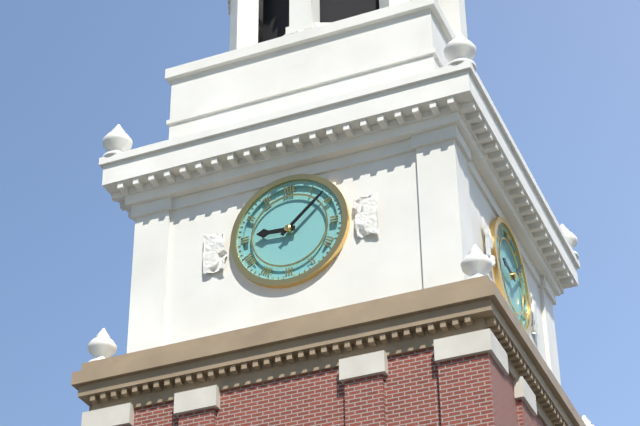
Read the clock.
9:08
